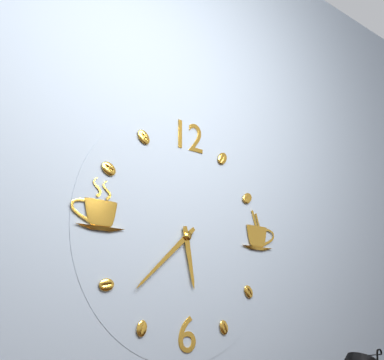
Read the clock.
5:38
